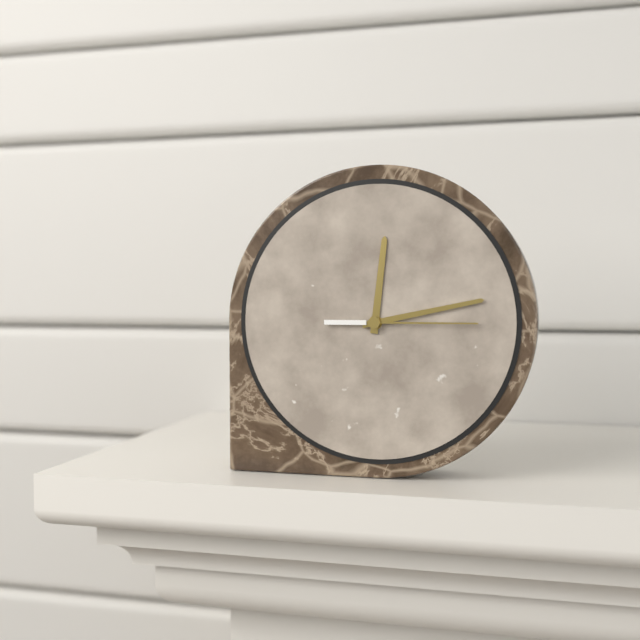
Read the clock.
12:13:15
